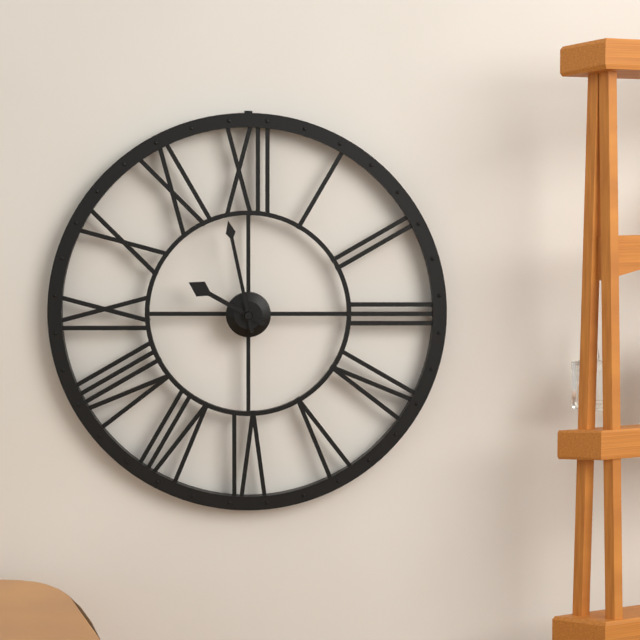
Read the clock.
9:58
